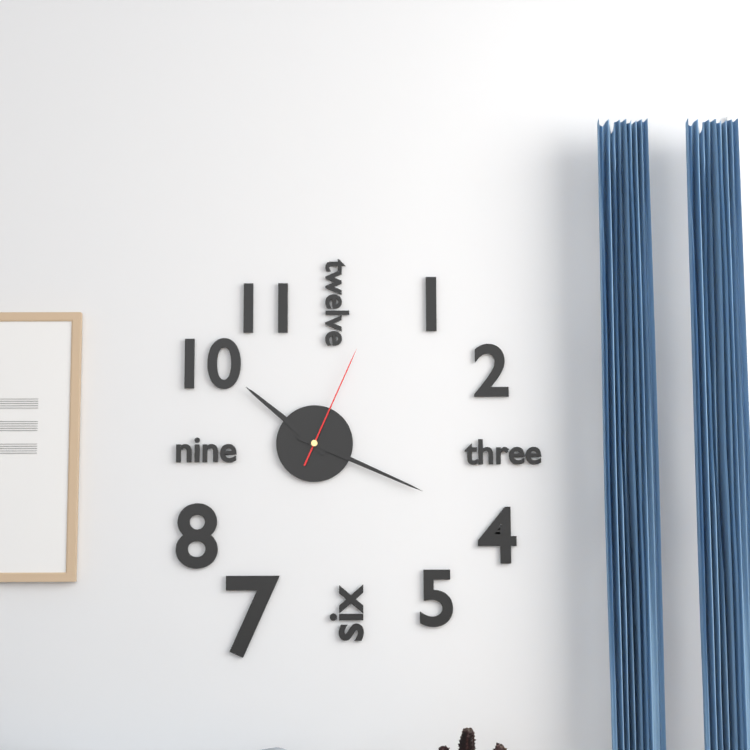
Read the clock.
10:19:04
